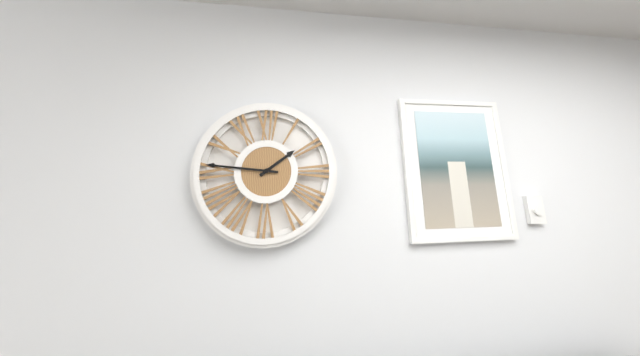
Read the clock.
1:46
